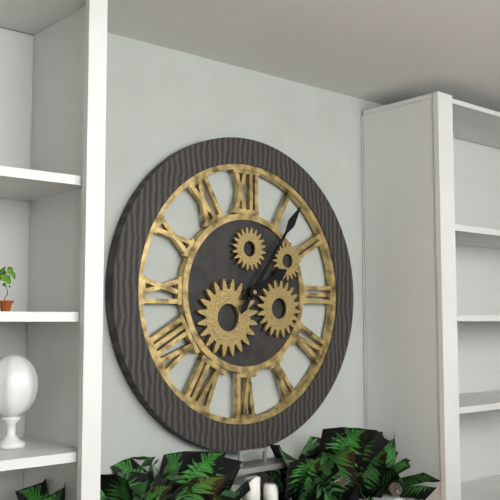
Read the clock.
2:06
